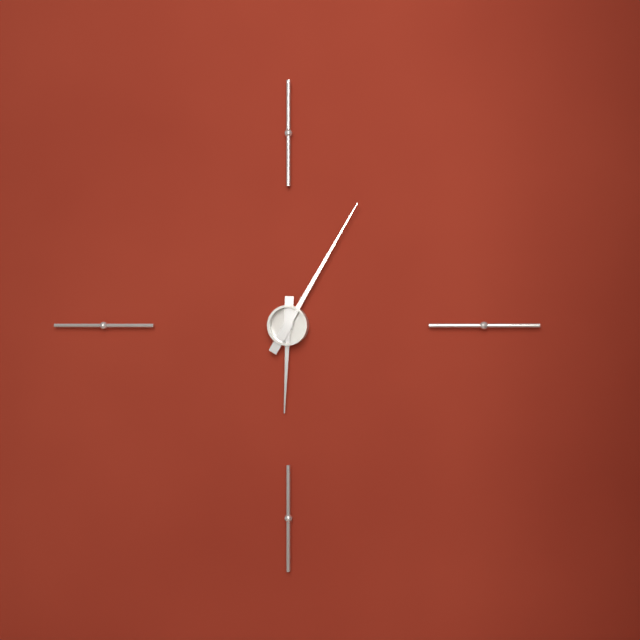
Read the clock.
6:05
